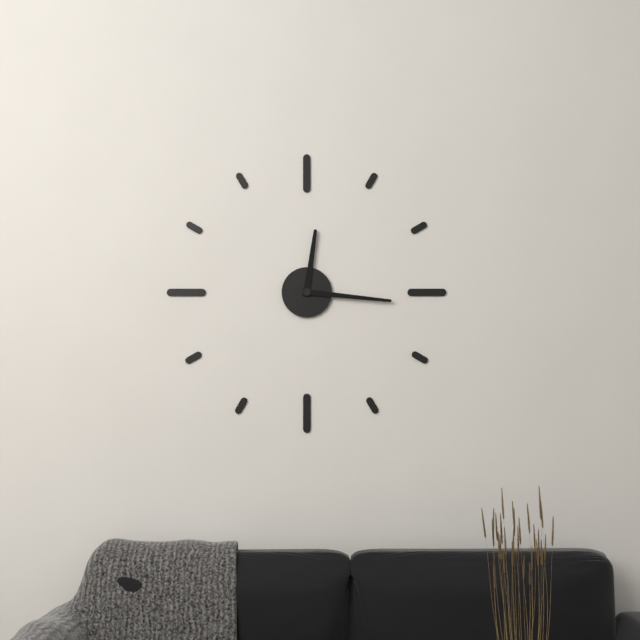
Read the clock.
12:16
